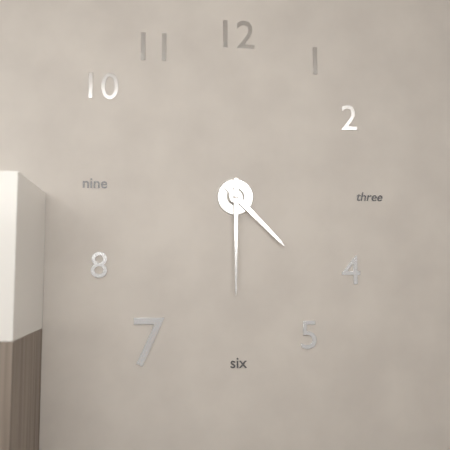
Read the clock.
4:30
